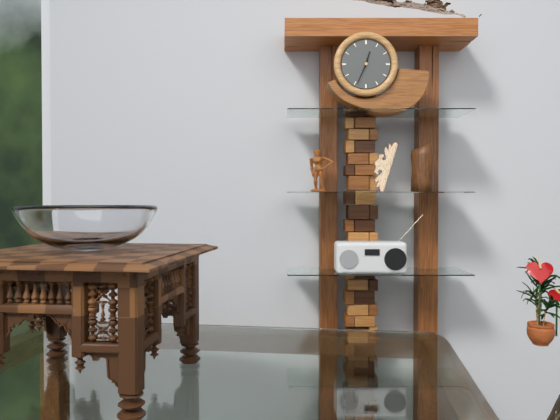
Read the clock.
12:34
